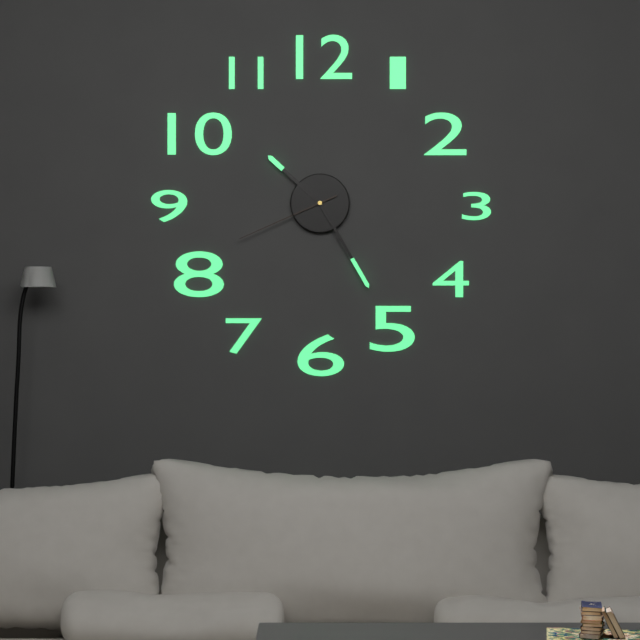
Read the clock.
10:25:41
